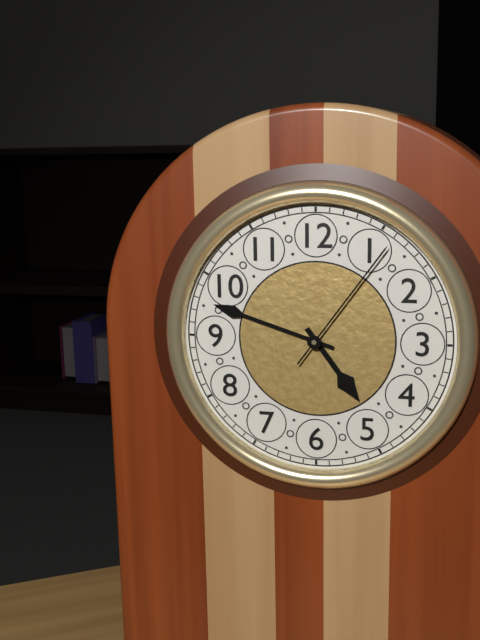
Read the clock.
4:48:06
